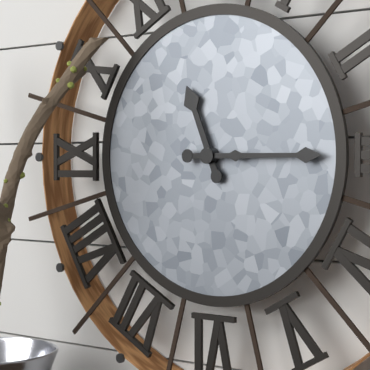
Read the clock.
11:15
